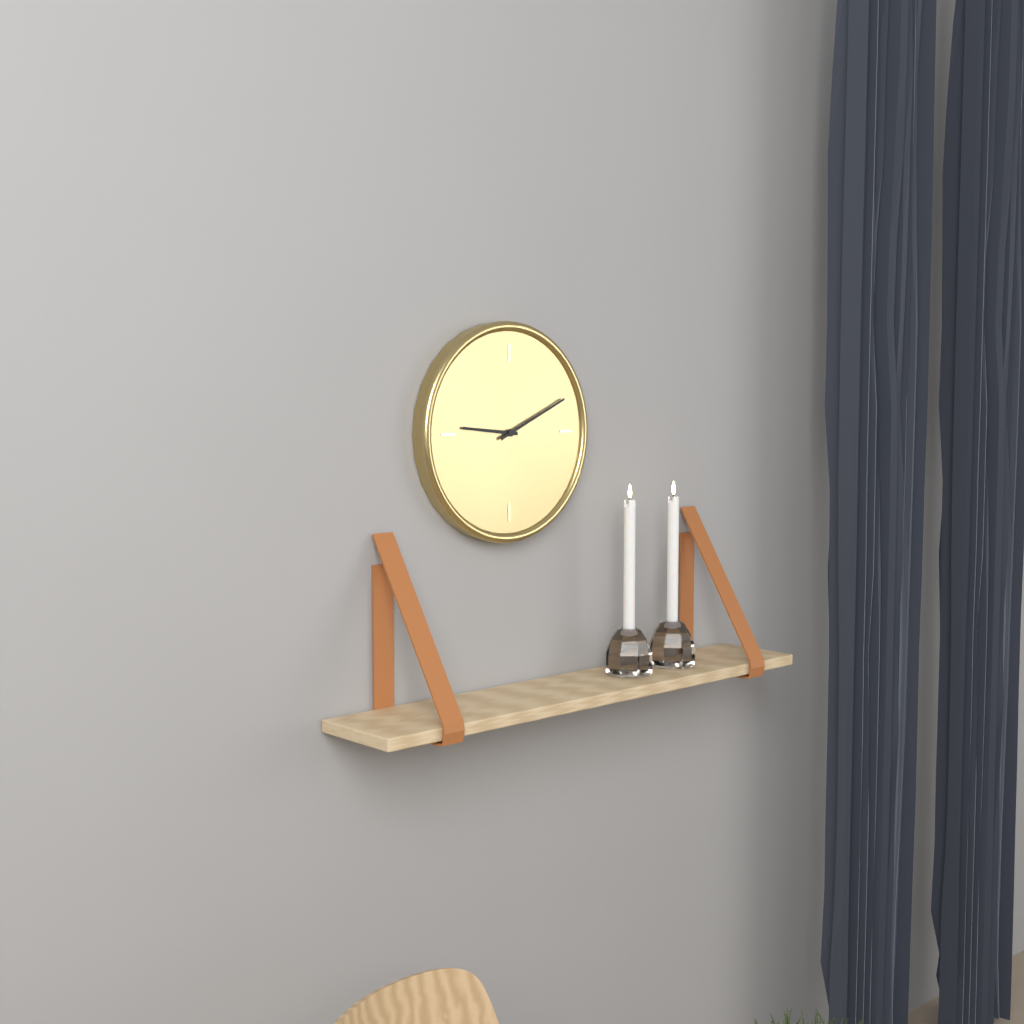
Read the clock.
9:11
